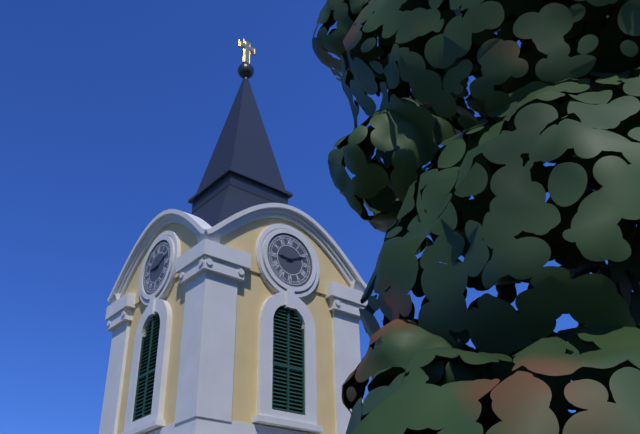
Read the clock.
9:11
